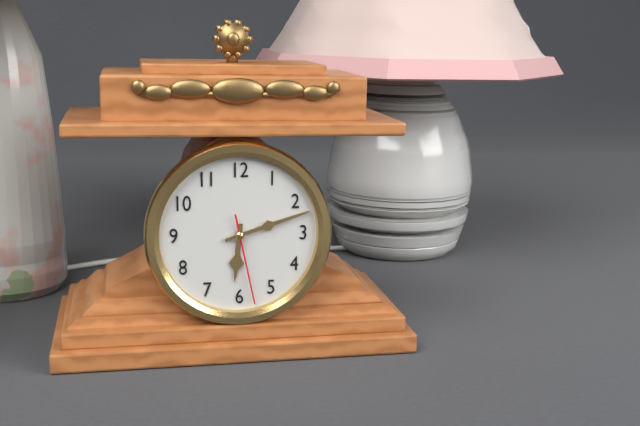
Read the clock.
6:12:28
